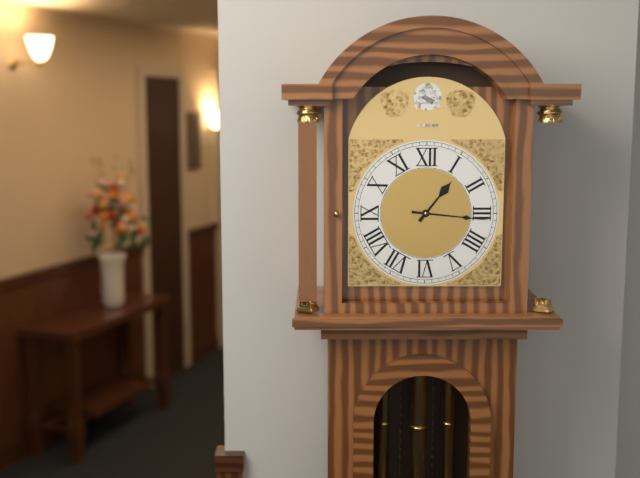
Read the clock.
1:16
